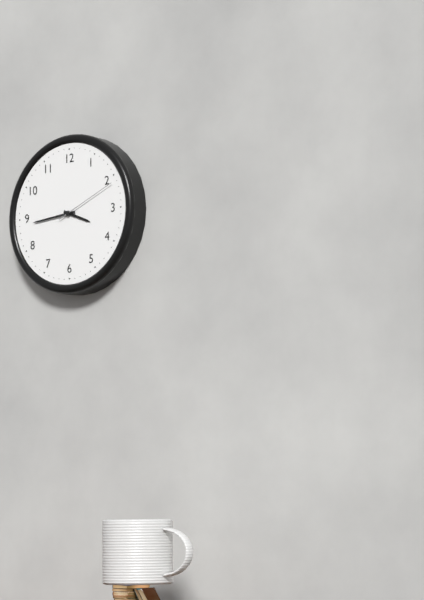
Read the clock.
3:44:11
